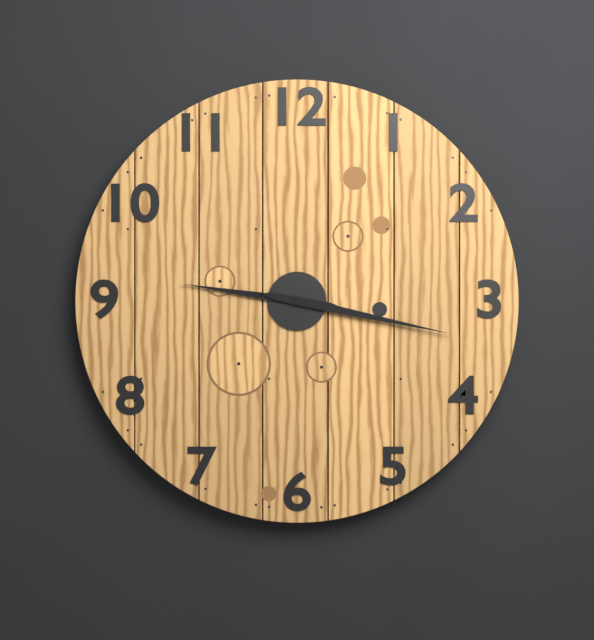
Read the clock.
9:17
